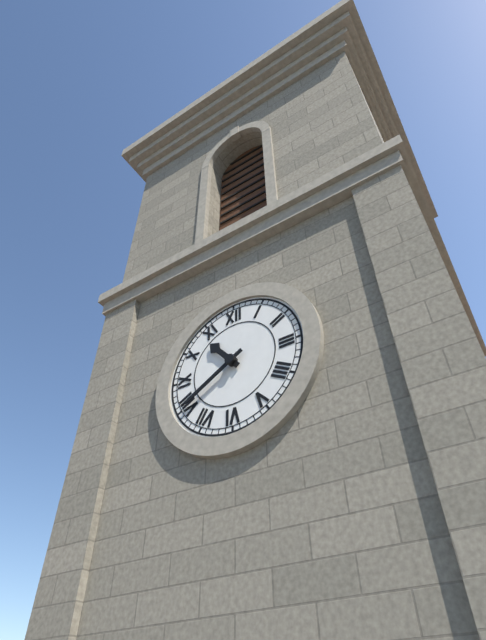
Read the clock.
10:40
